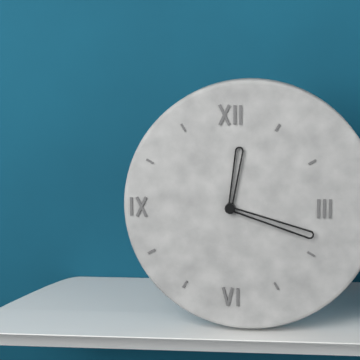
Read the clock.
12:18
